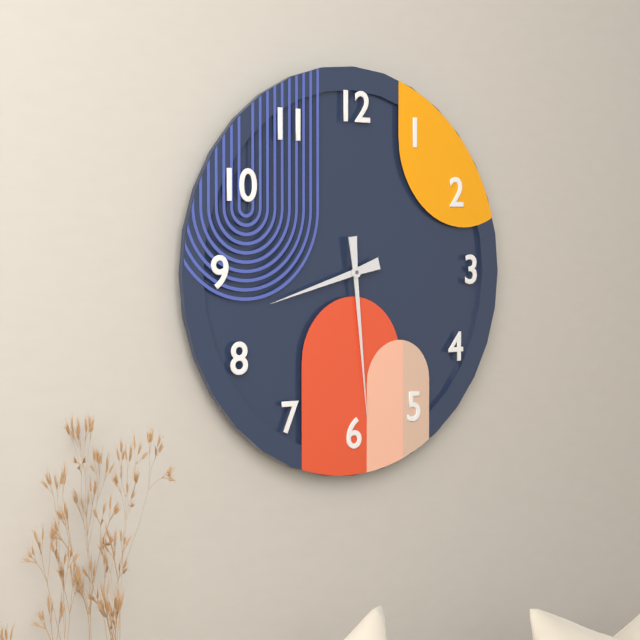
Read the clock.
8:29
